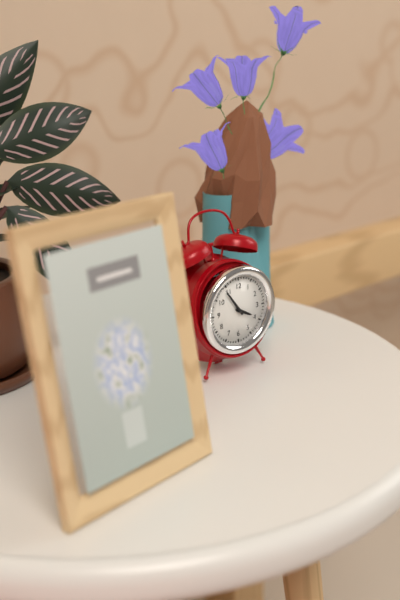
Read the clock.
3:54
